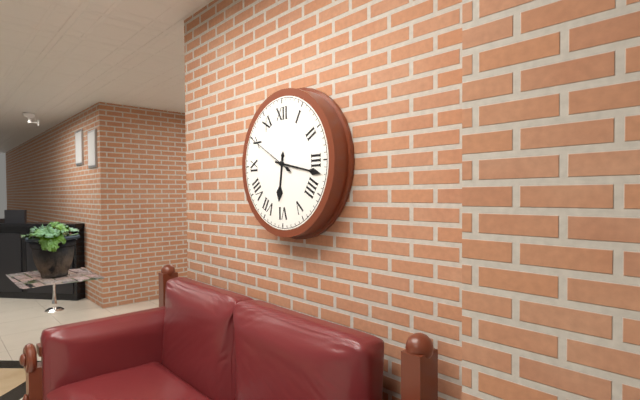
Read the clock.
6:17:50
